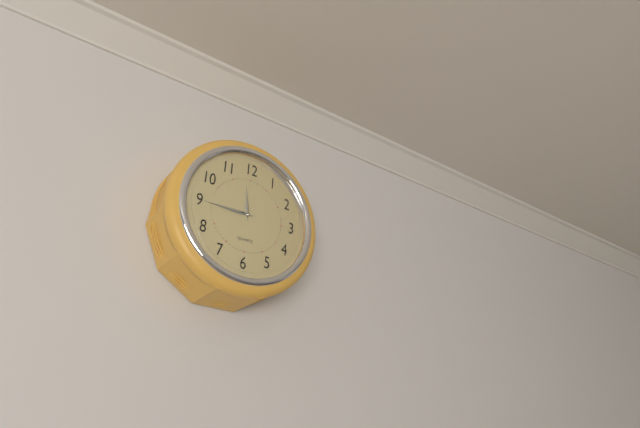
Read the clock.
11:45
